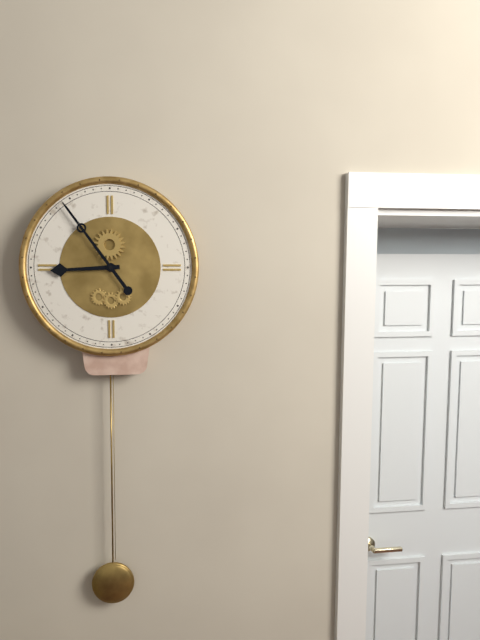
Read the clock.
8:54
